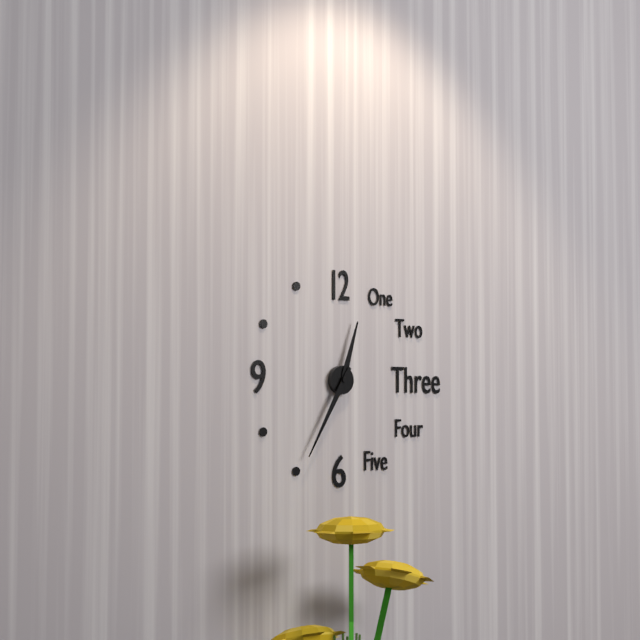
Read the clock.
12:35
